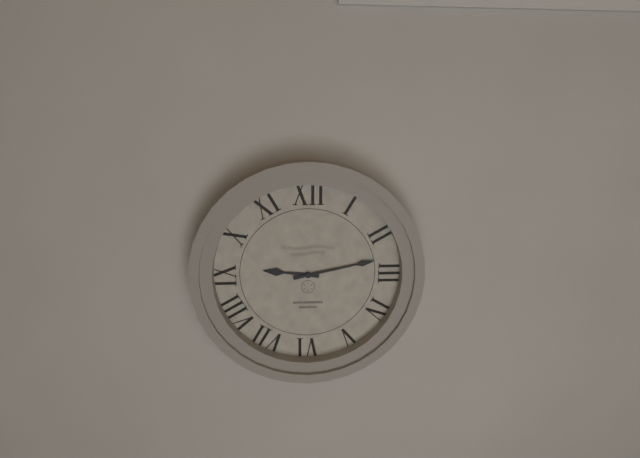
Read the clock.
9:13
